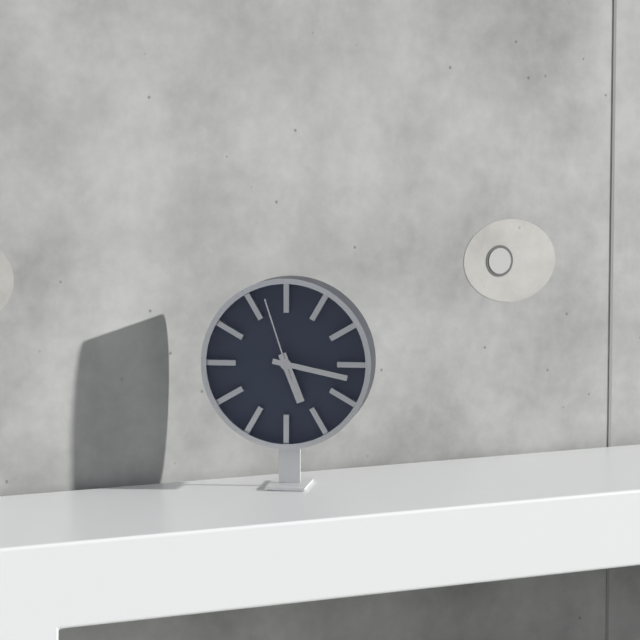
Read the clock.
5:17:57
